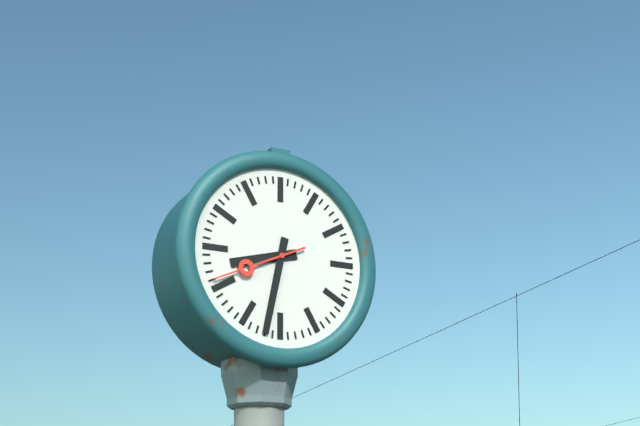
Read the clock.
8:32:41
